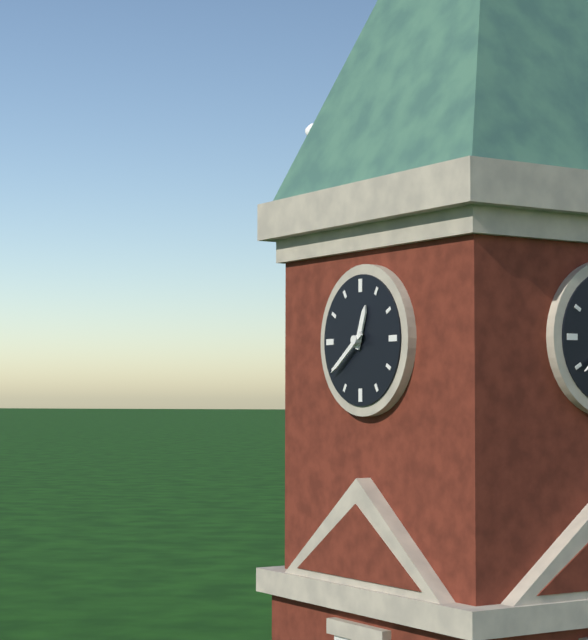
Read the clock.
12:39
